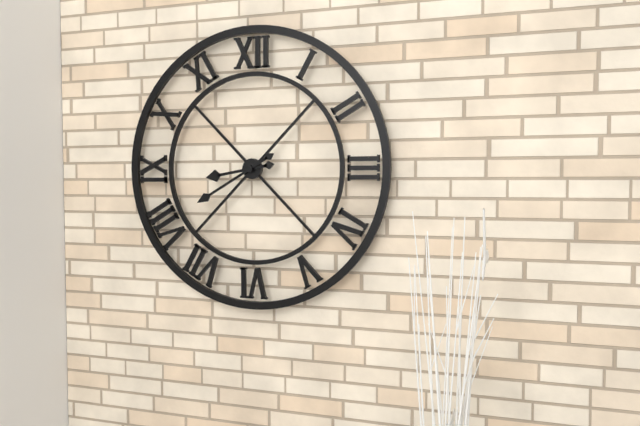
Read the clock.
8:40
